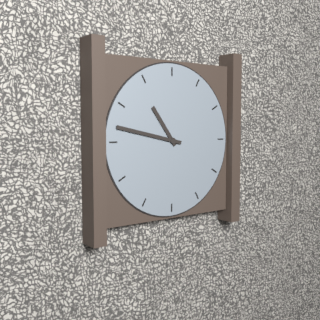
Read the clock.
10:47
